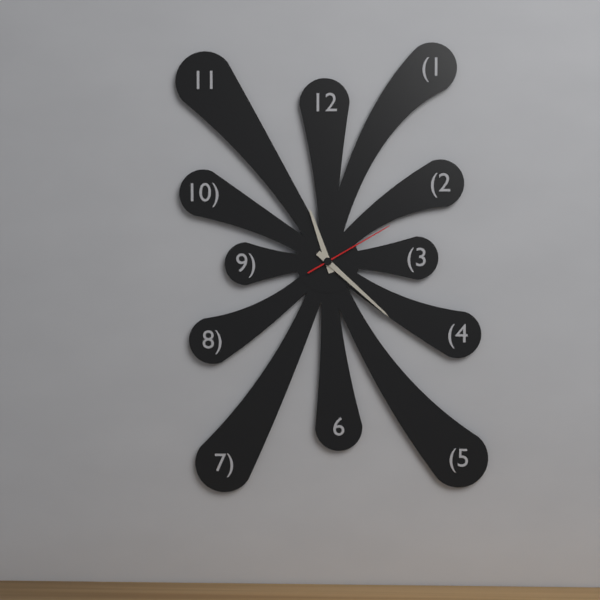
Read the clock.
11:22:10
